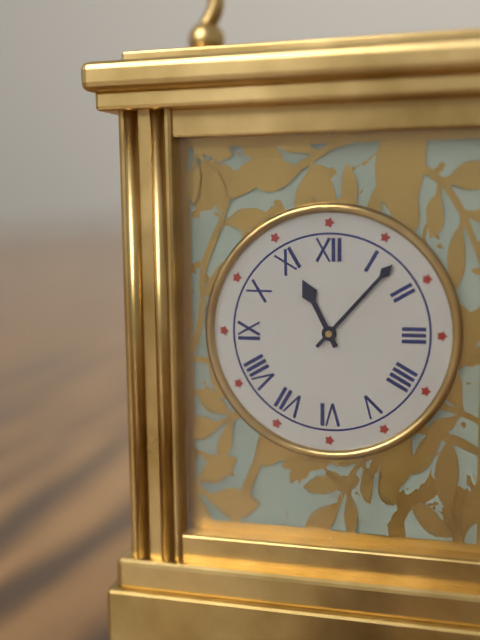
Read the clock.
11:07
